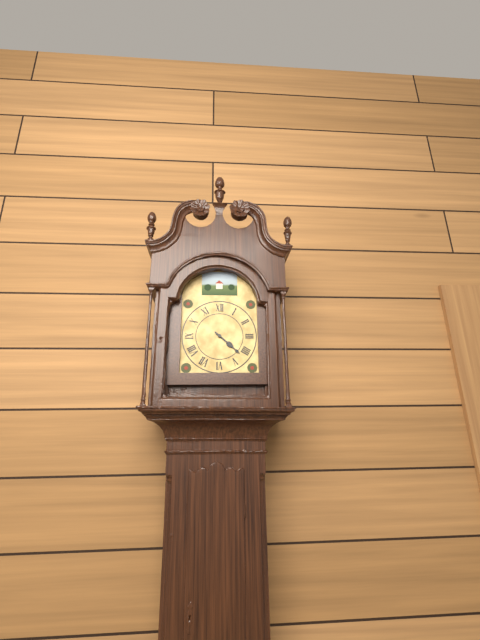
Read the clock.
4:22
